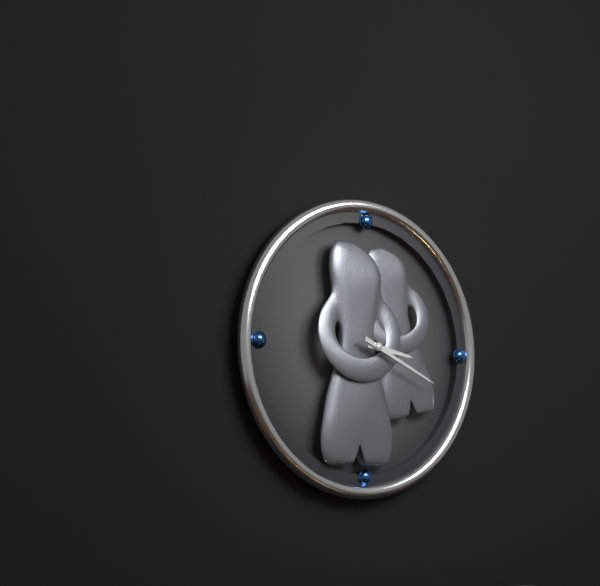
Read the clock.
3:19
